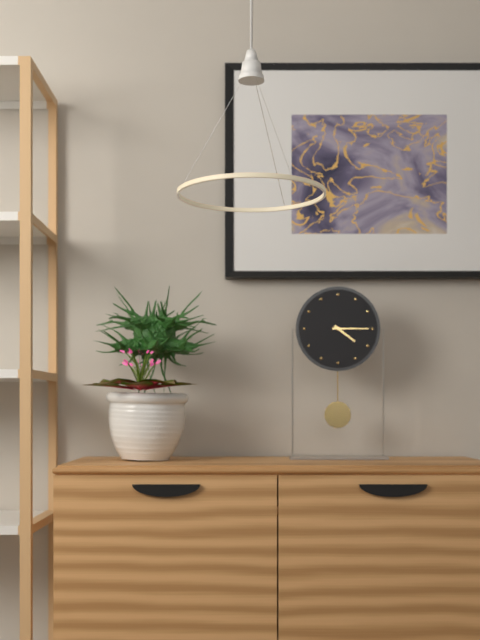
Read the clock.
4:15
